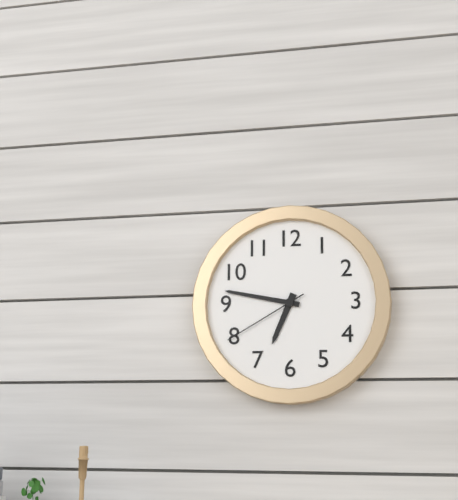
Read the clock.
6:47:40
